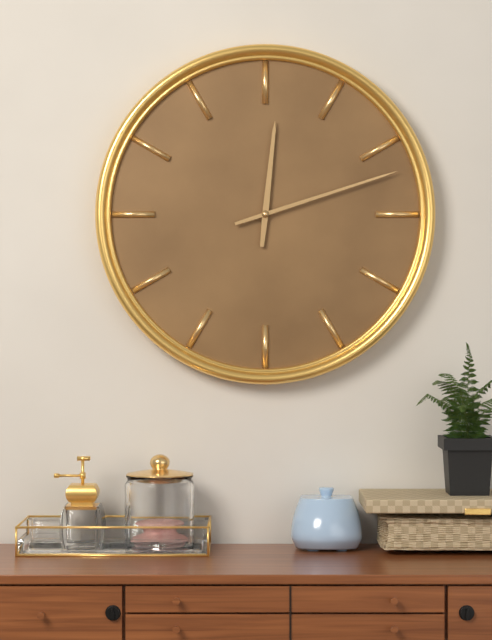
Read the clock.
12:12
